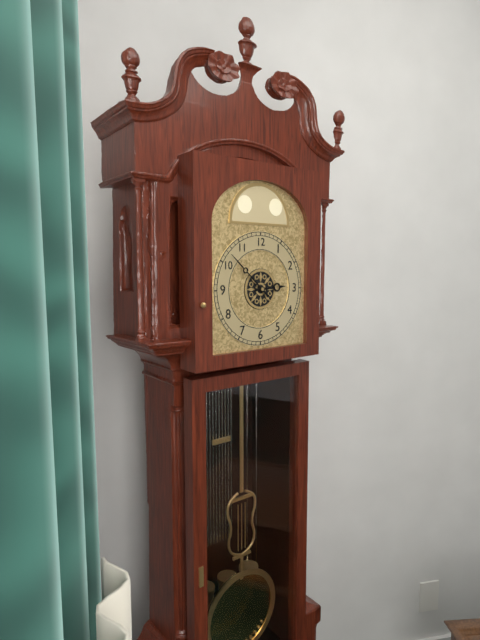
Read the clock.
2:52
